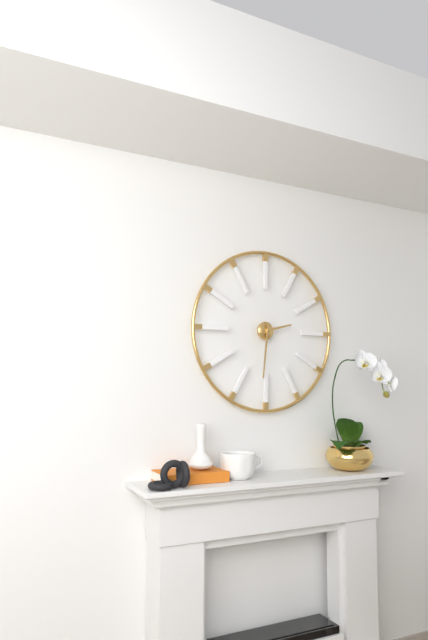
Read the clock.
2:31
